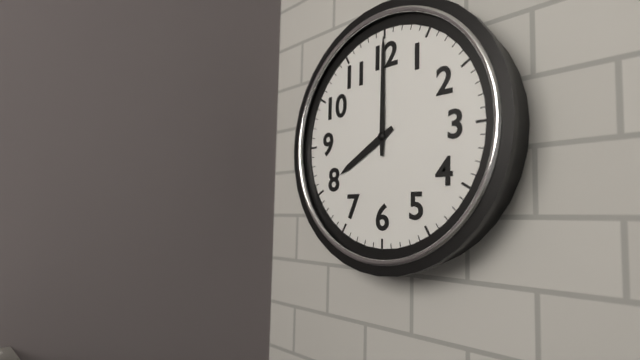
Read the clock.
8:00
